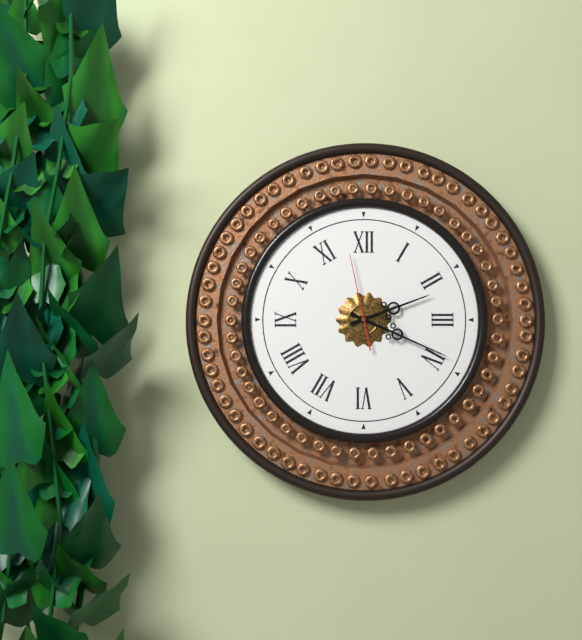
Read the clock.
2:19:58
